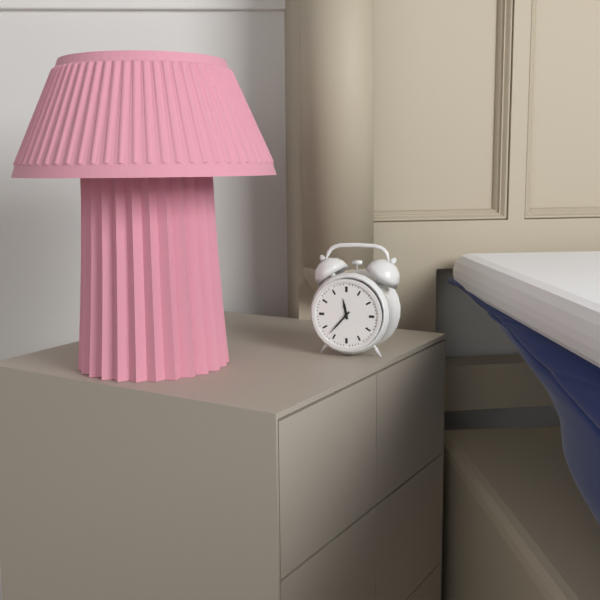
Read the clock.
11:37
